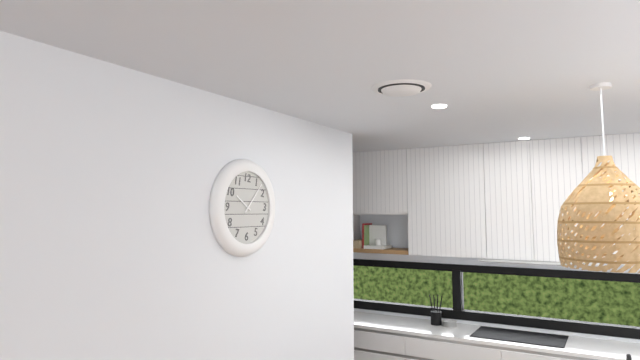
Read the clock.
10:07
